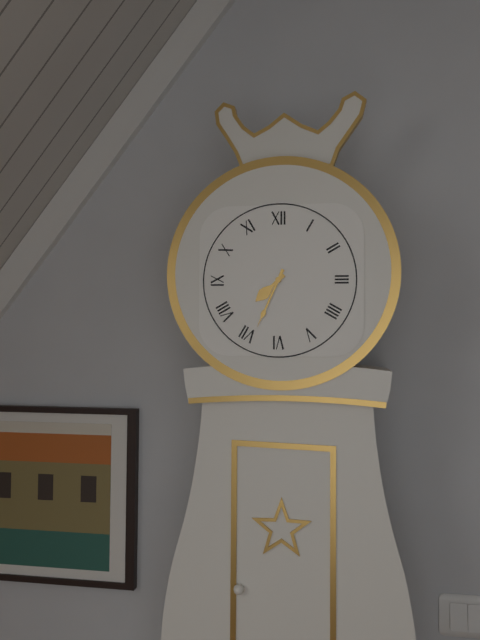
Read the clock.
7:34
